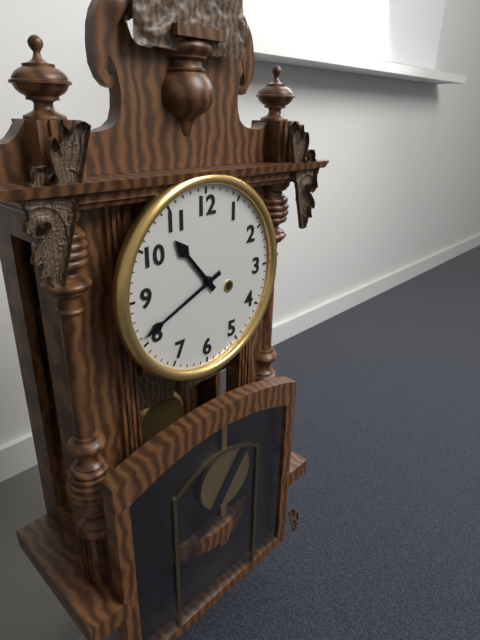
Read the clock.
10:41
